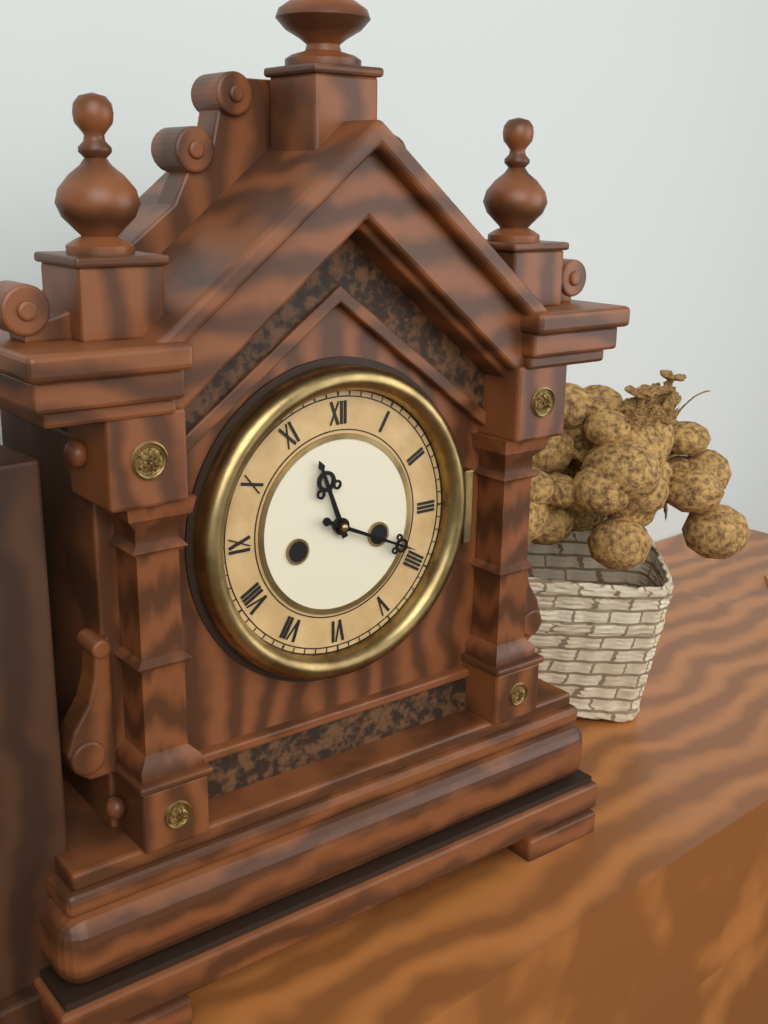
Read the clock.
11:19
